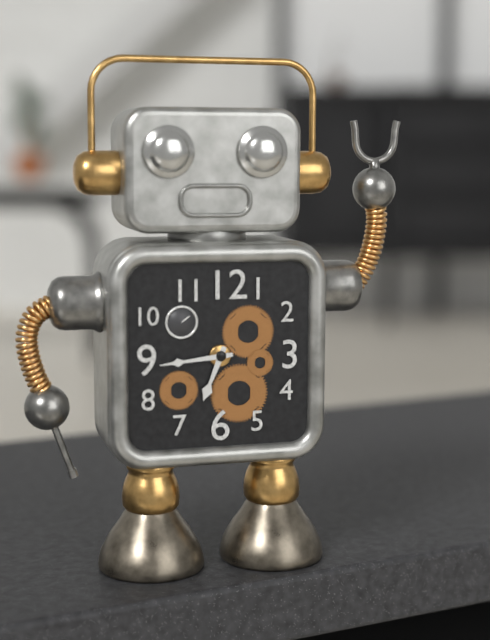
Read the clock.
6:44
